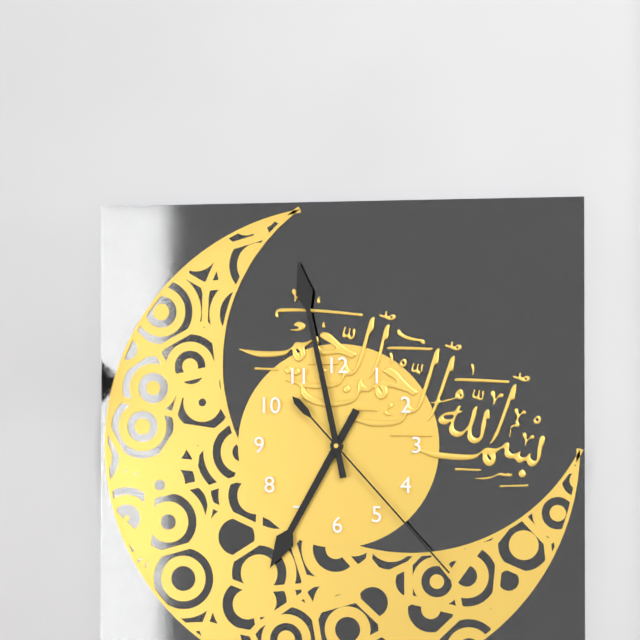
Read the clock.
6:58:23
